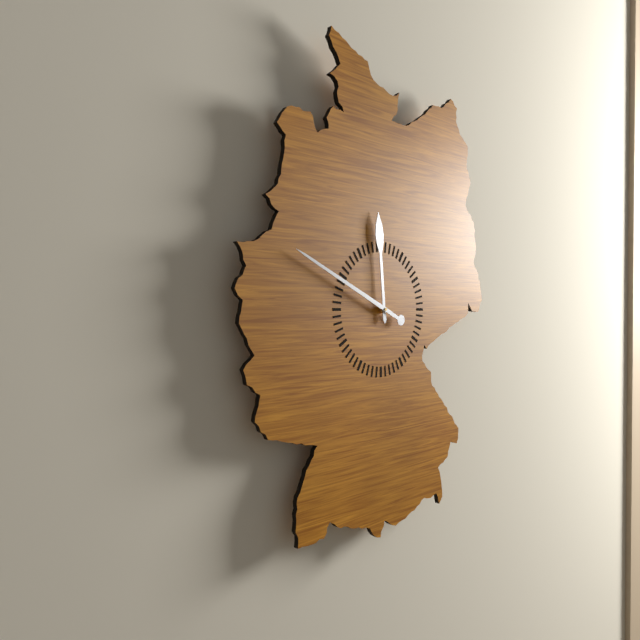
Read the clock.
11:49
